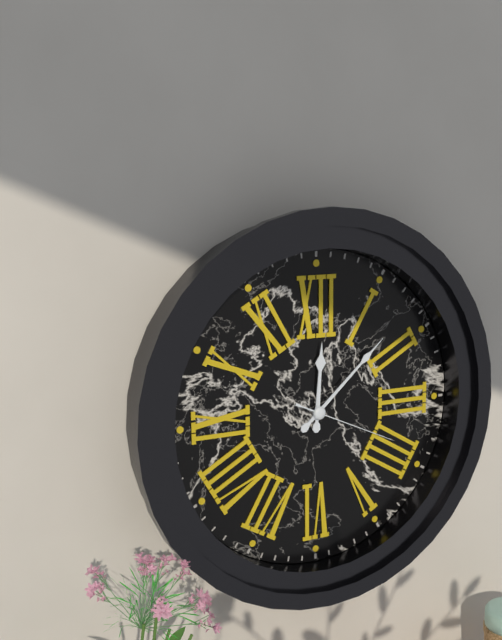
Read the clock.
12:08:19
